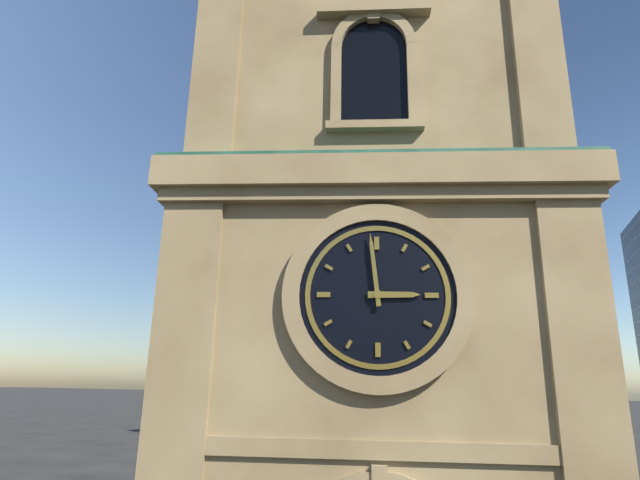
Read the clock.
2:59
